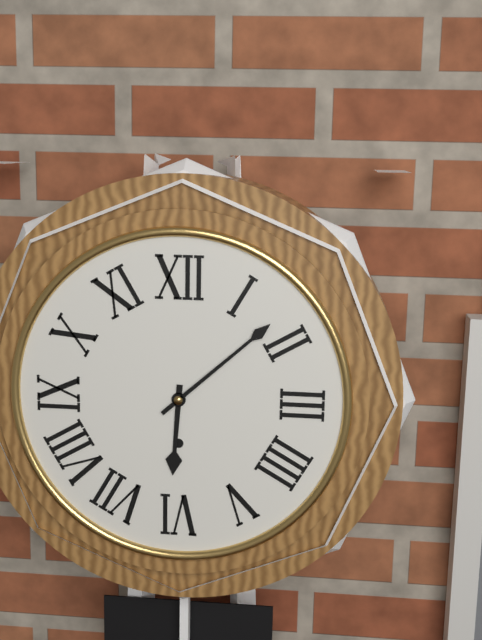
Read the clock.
6:08
